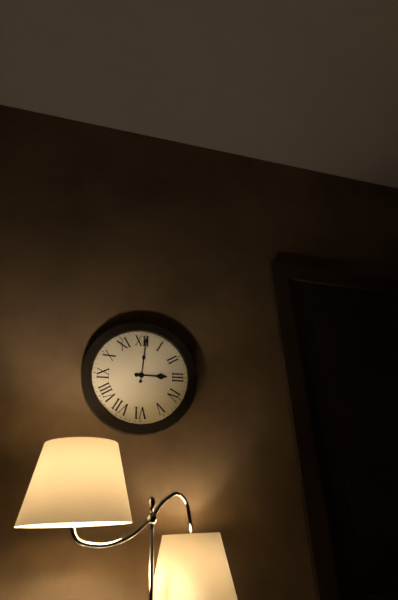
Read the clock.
3:01
